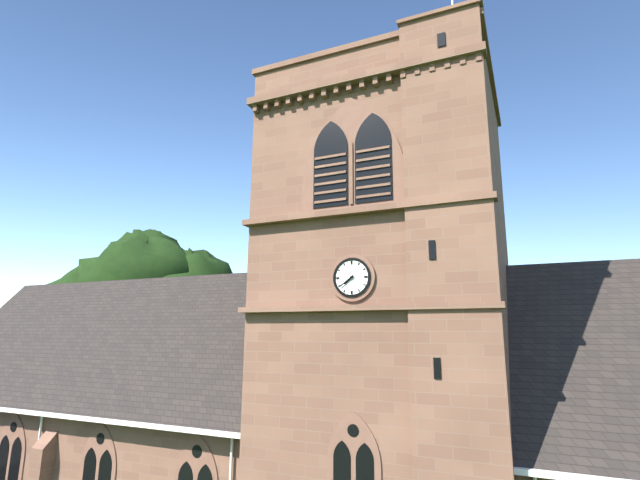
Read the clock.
7:39
